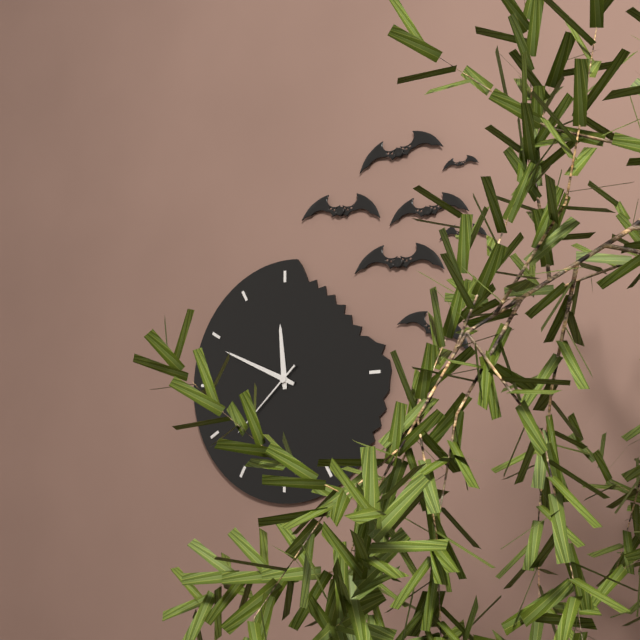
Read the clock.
11:49:38
